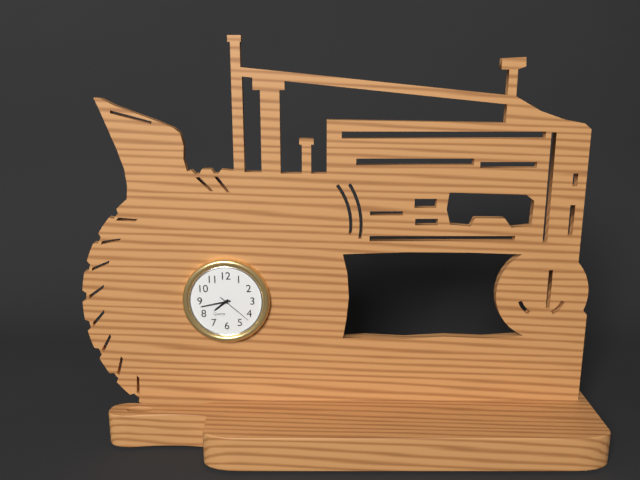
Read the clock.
7:43
